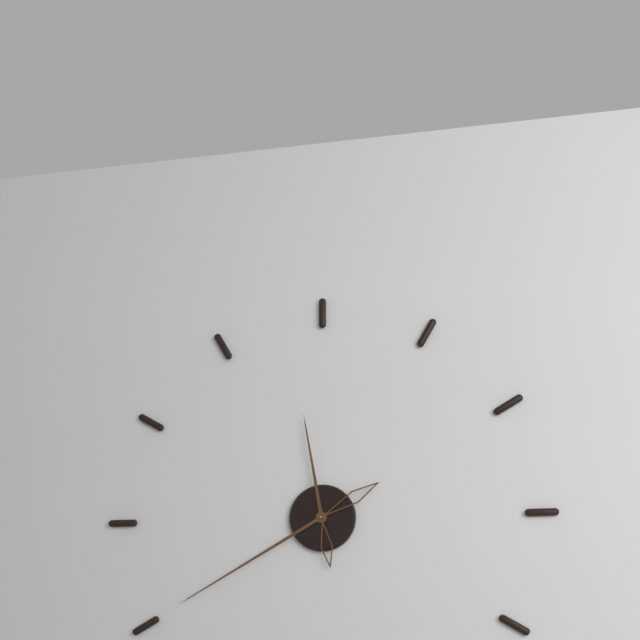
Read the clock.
11:40
